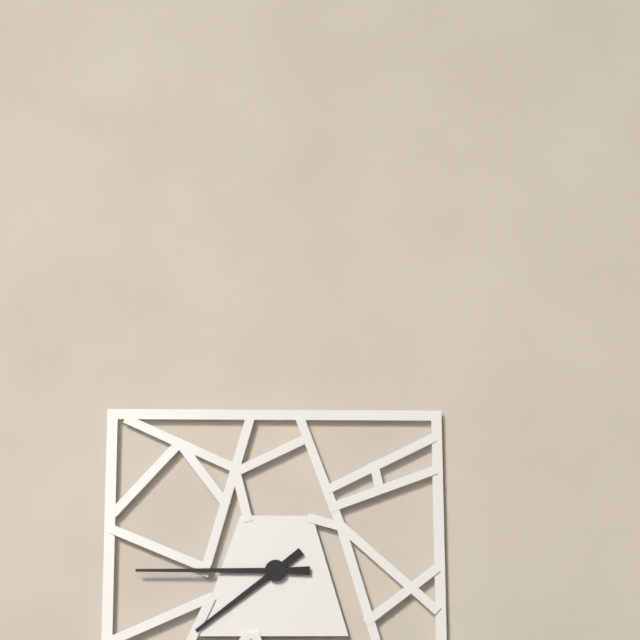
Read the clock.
7:45
